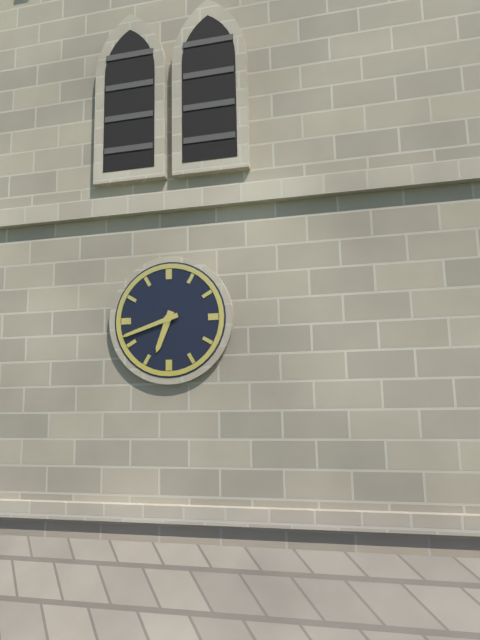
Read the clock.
6:42
